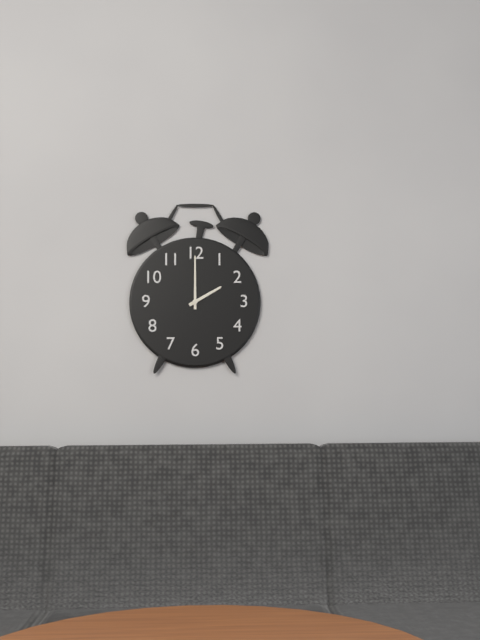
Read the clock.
2:00
